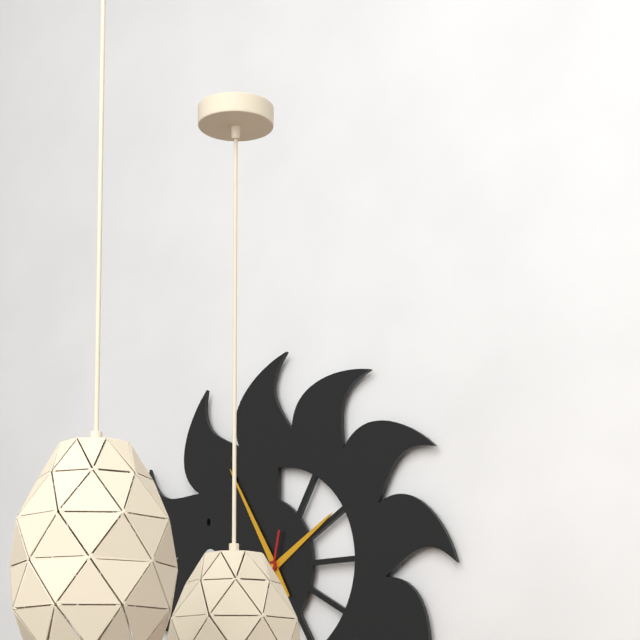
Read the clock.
1:55
